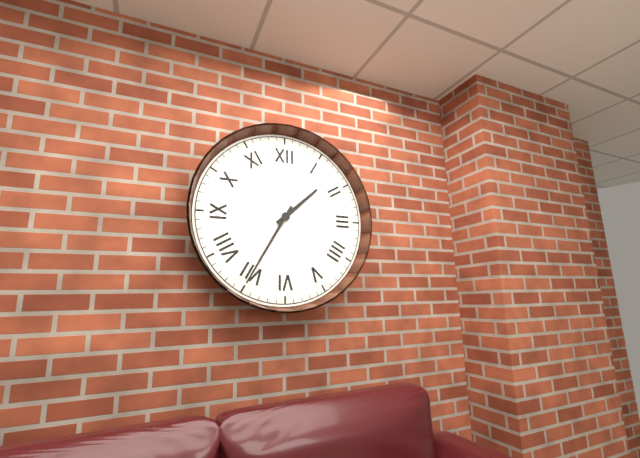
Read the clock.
1:35
